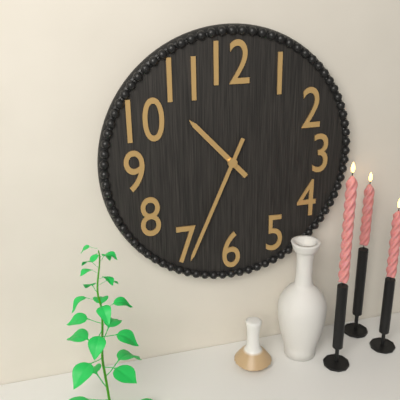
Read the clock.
10:34
